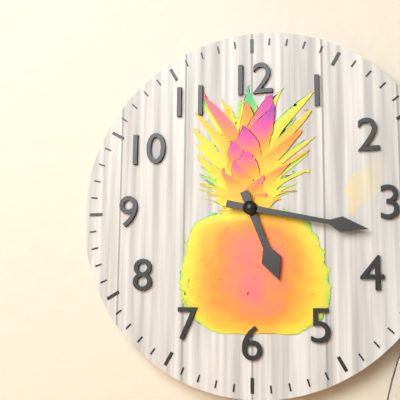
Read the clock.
5:17
